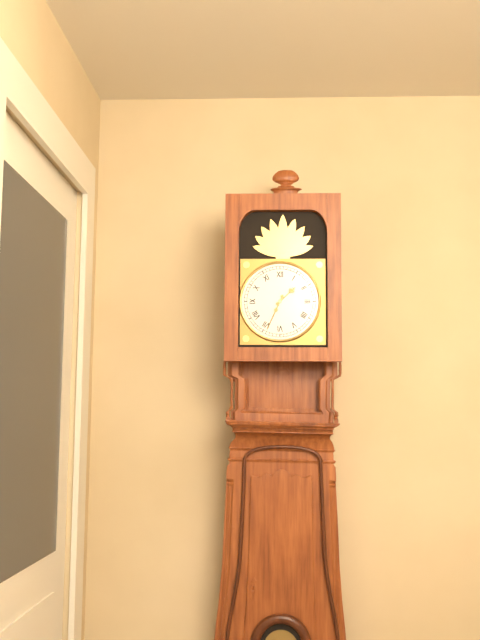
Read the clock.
1:34
